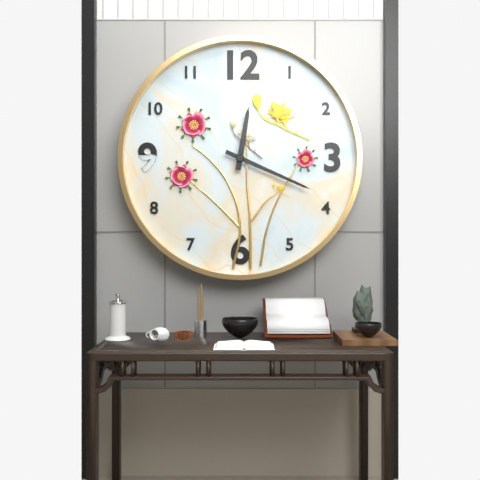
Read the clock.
12:19
